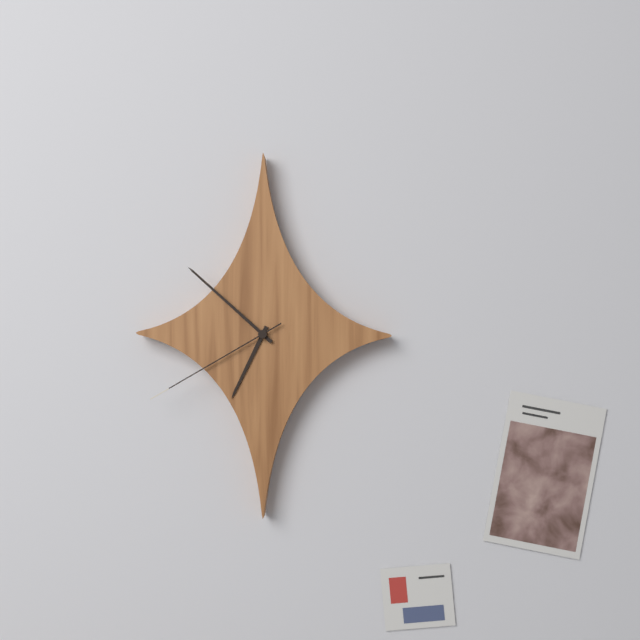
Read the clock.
6:52:40
